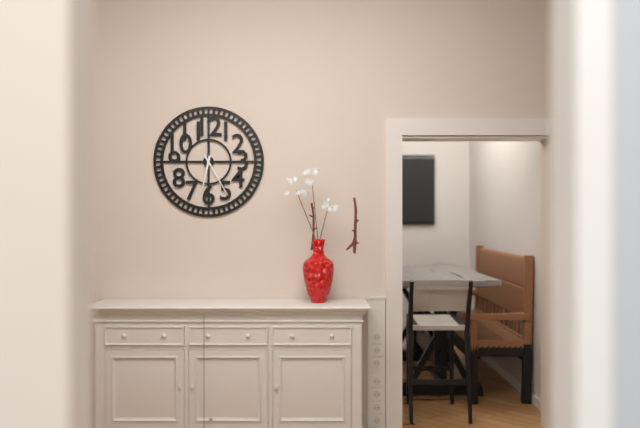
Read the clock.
6:25
